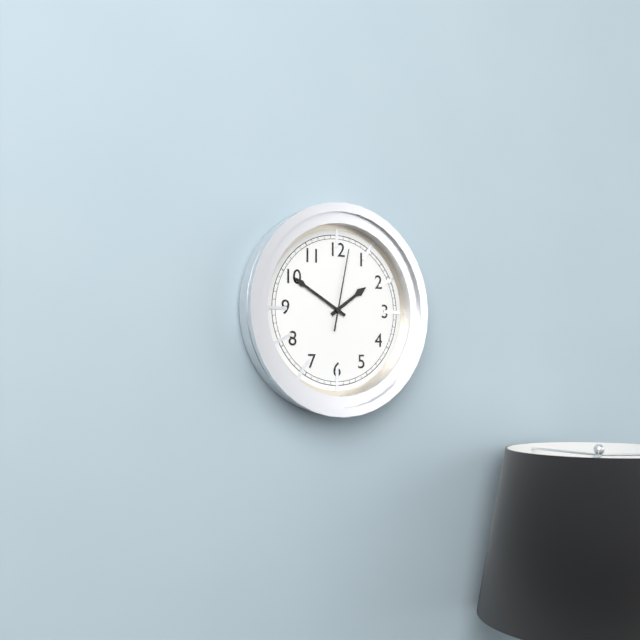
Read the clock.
1:50:02
